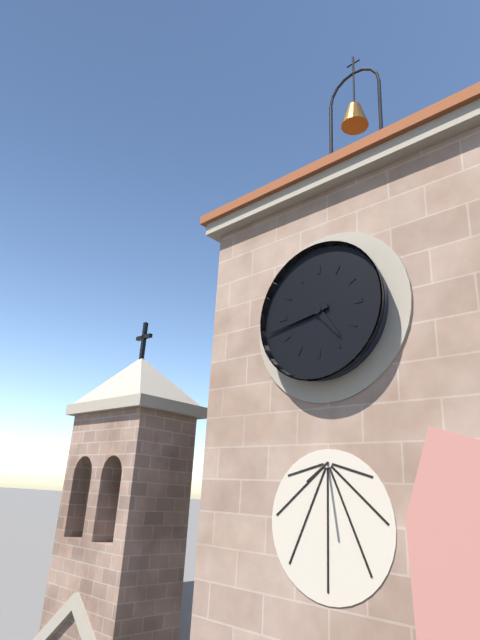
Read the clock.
4:43
